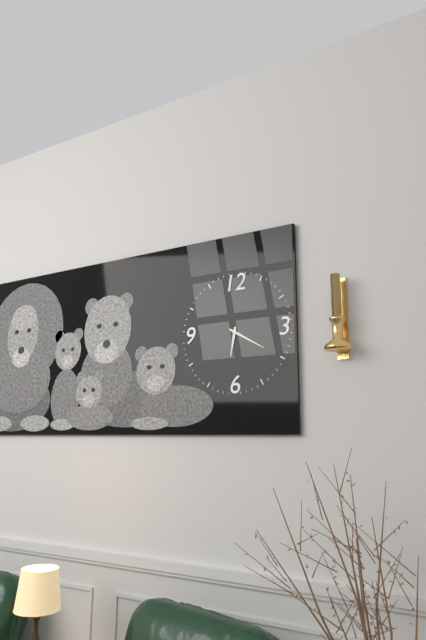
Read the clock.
6:20
